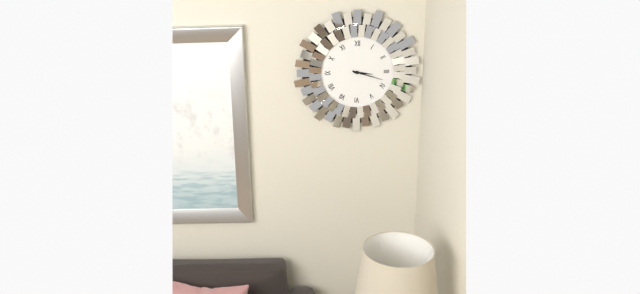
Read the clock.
3:18
